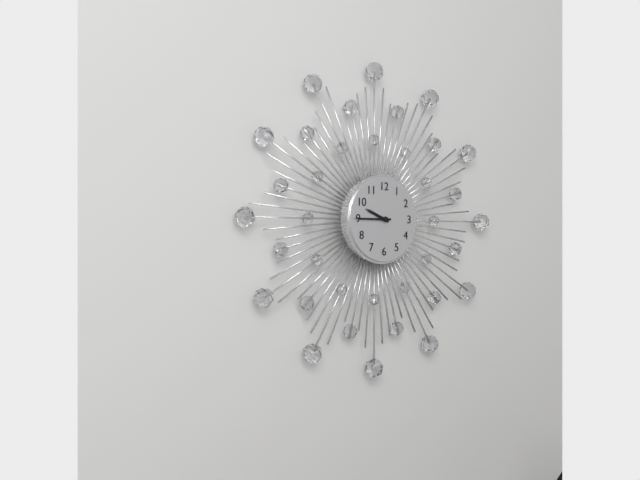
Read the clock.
9:45
